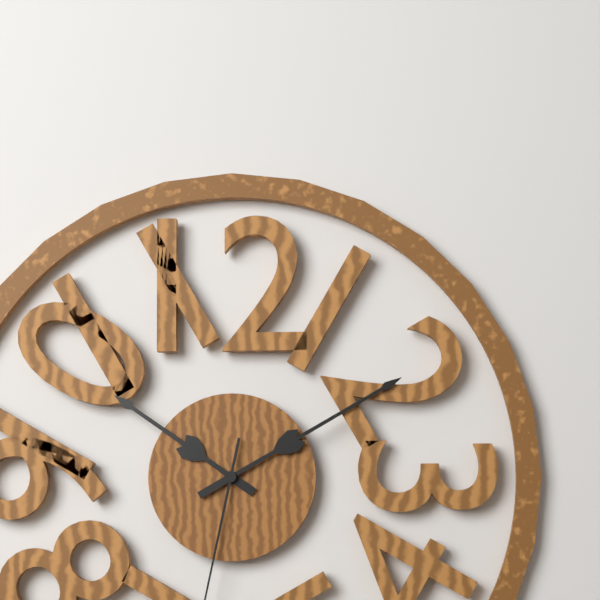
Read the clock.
10:10
